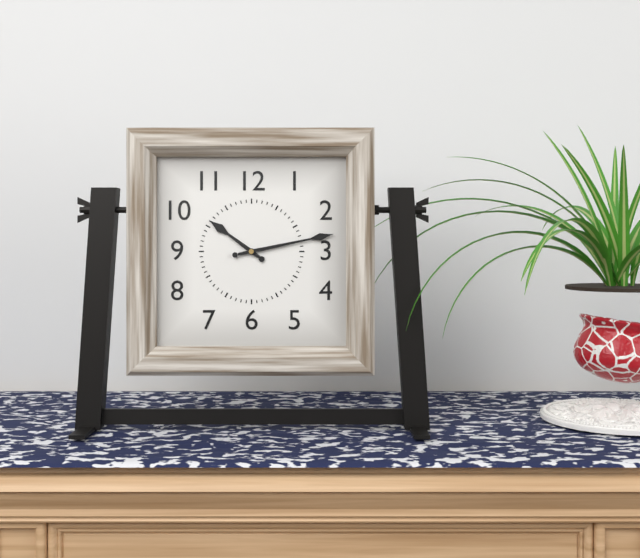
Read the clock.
10:13
